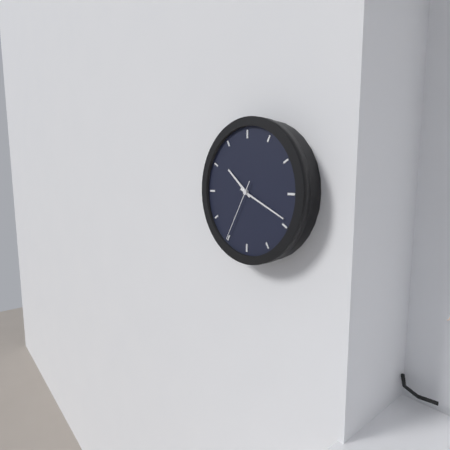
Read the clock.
10:19:35
